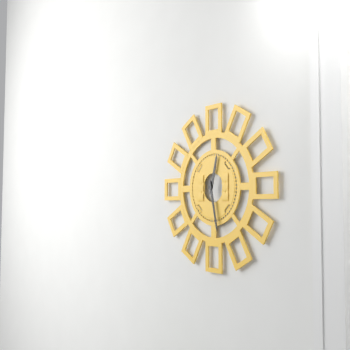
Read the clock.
12:28
